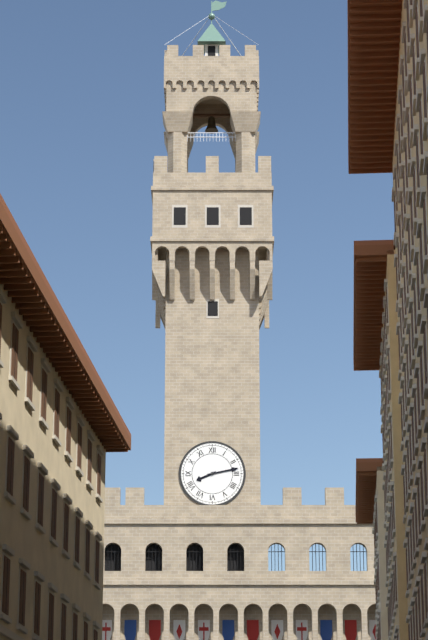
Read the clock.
8:13
